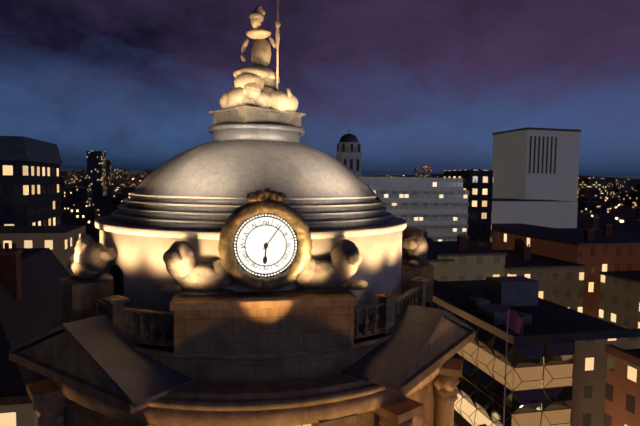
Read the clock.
6:06
